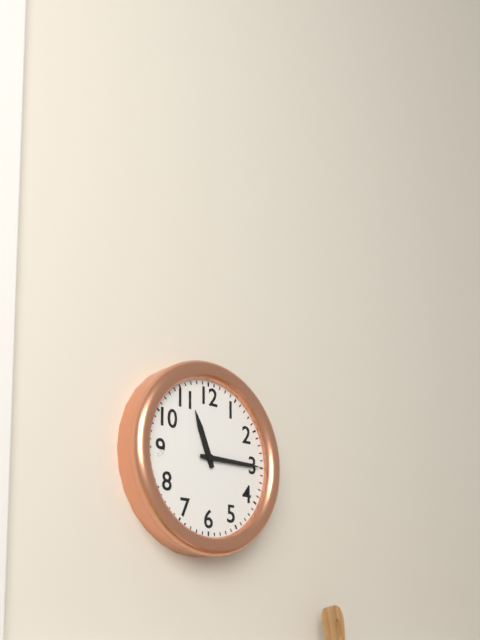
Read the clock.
11:15
